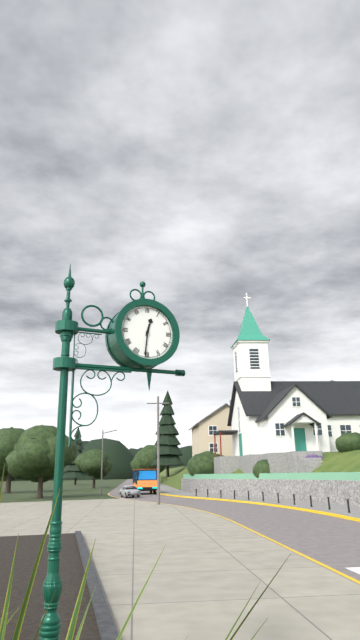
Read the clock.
12:31
